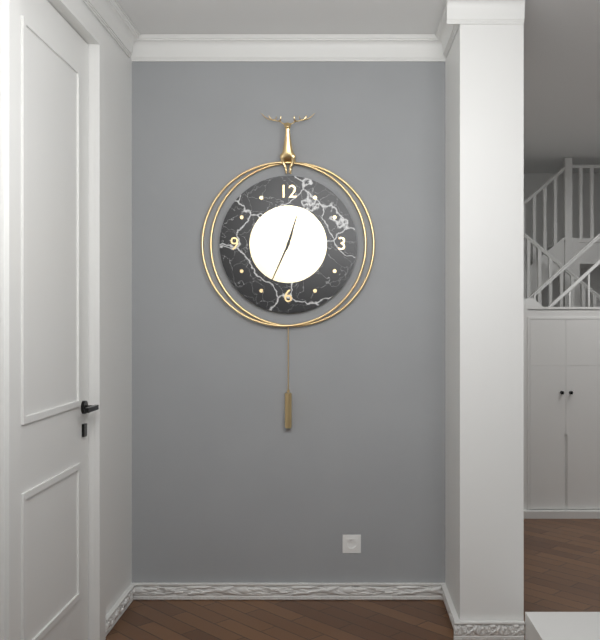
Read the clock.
12:34
